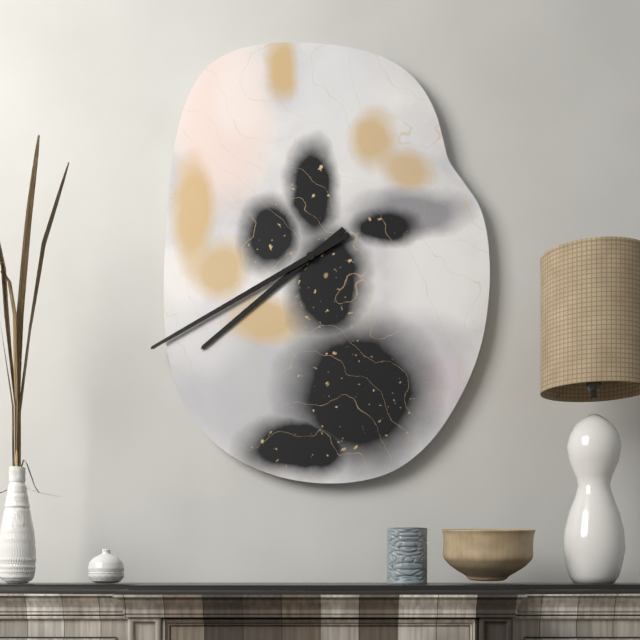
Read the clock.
7:40
